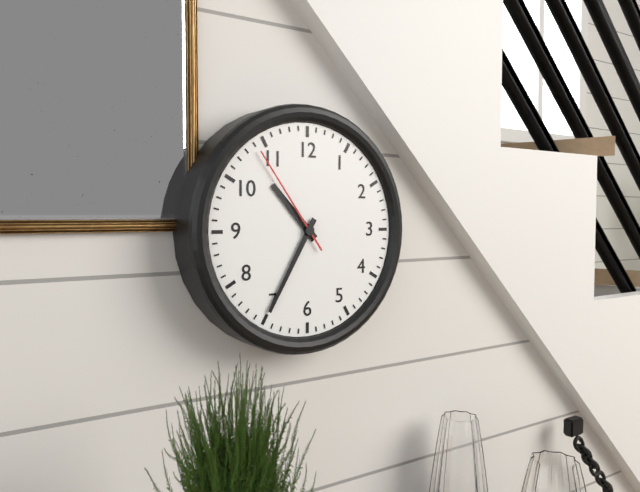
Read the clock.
10:35:54
